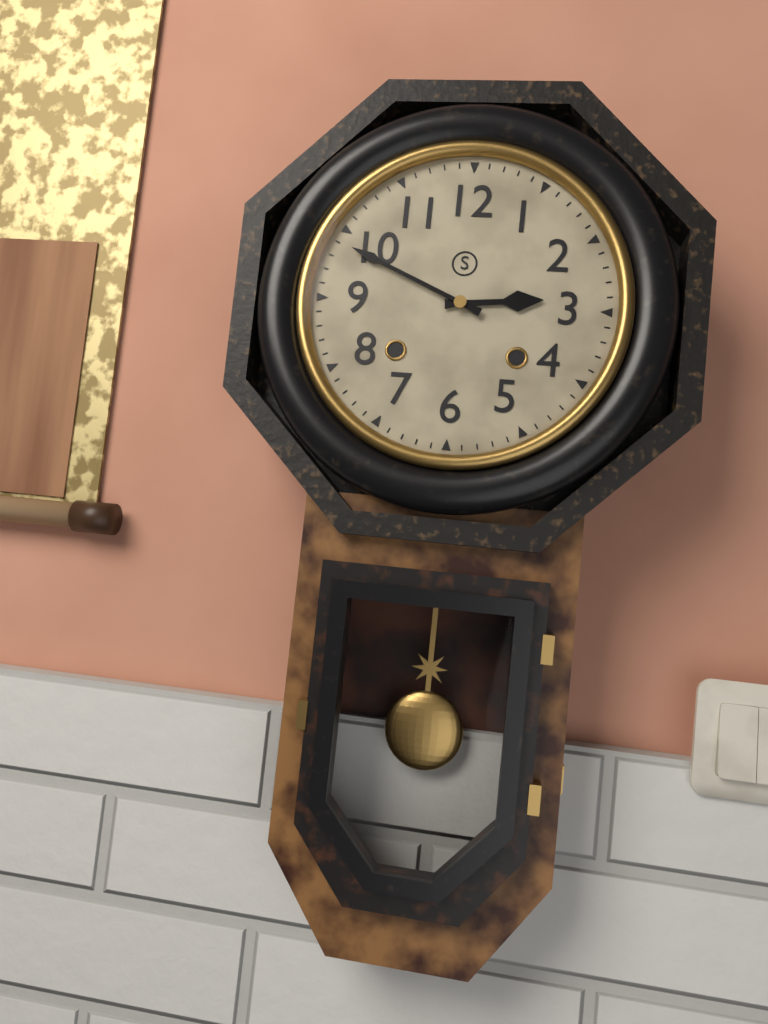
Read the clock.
2:49
